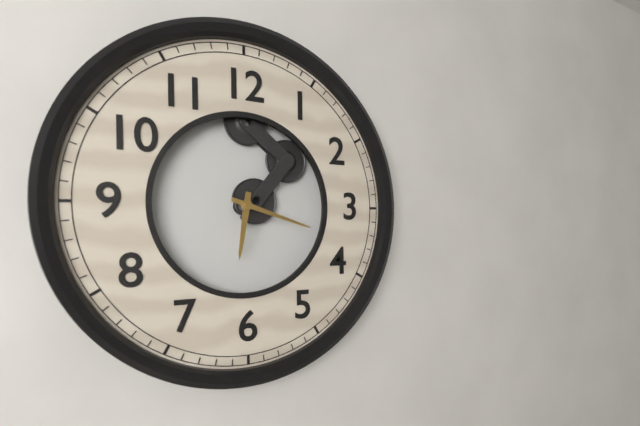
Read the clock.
6:18
